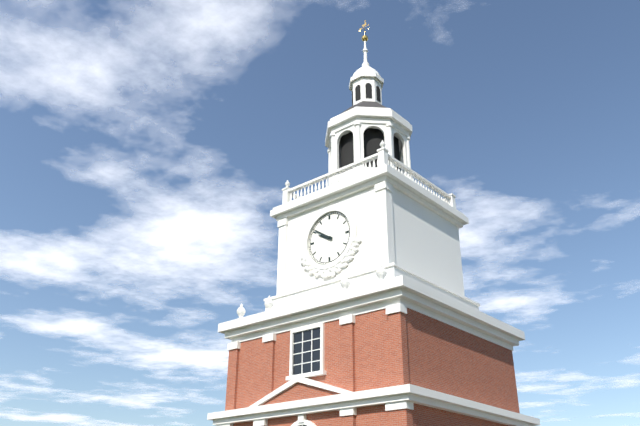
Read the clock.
9:51
